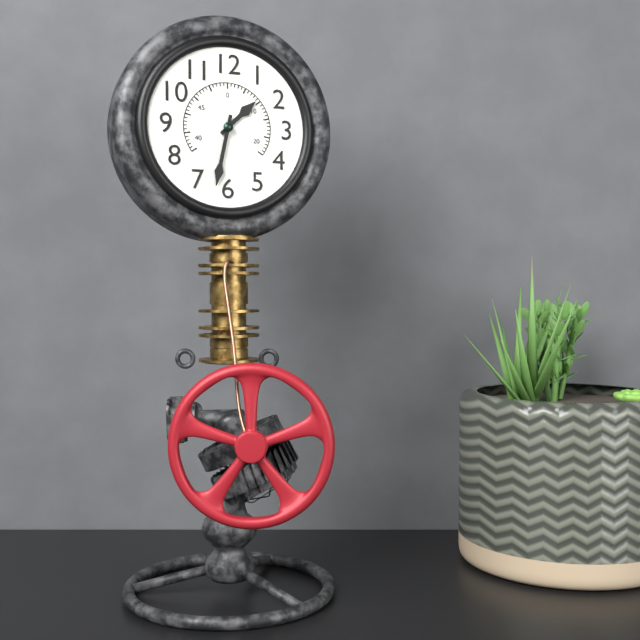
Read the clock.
1:32
